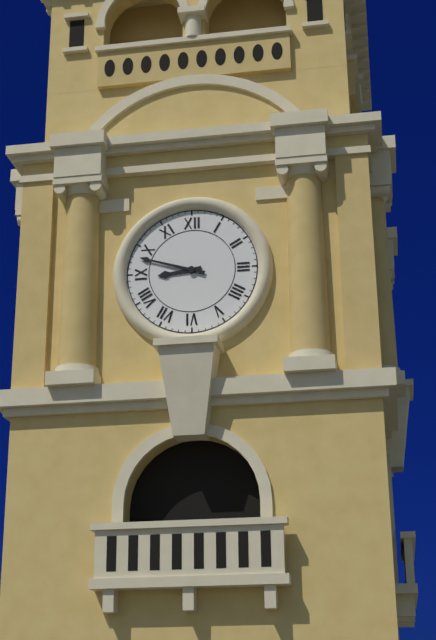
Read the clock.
8:48
